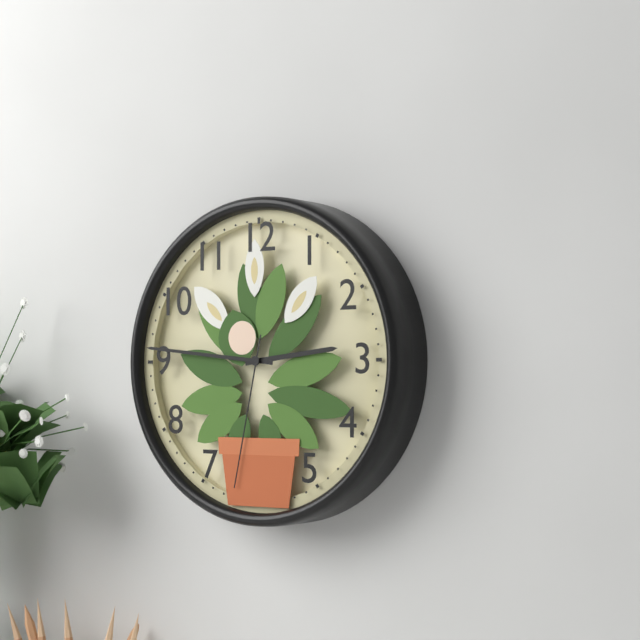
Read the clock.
2:46:32
